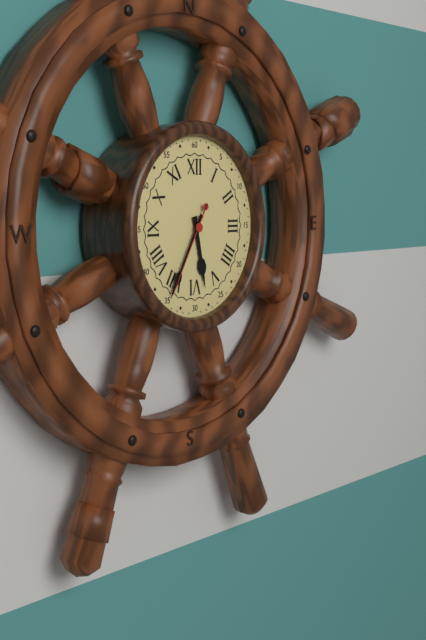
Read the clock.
5:35:35
